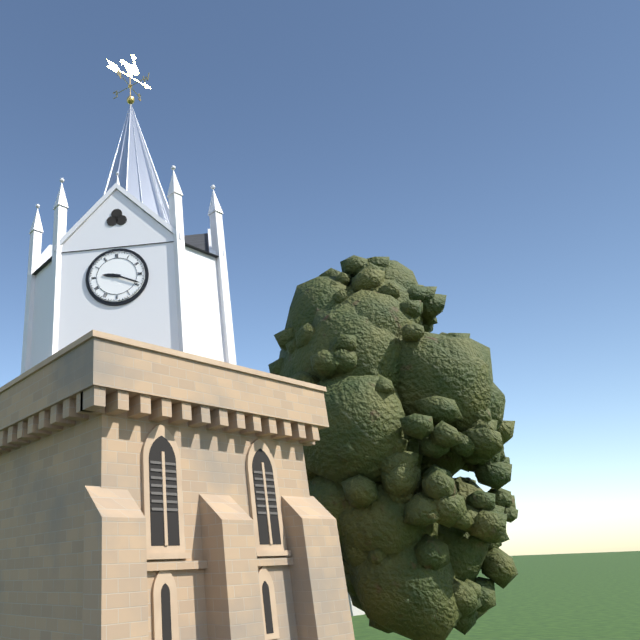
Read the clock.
9:19
